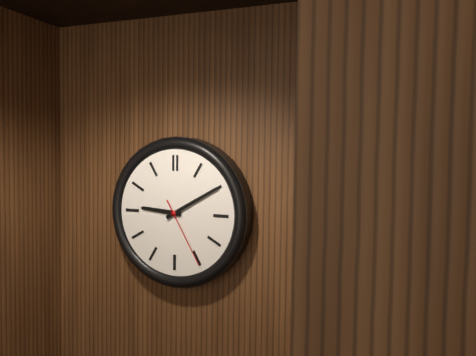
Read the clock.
9:10:25
